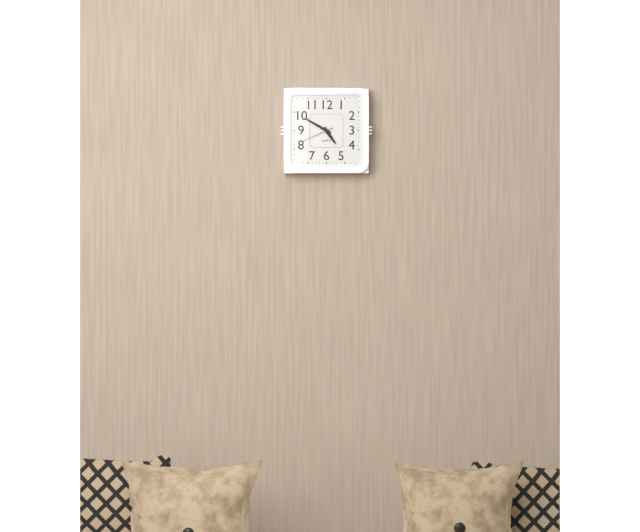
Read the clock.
4:50
